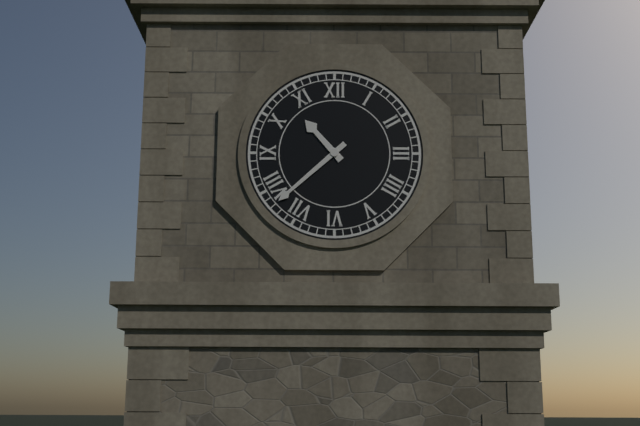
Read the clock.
10:38
